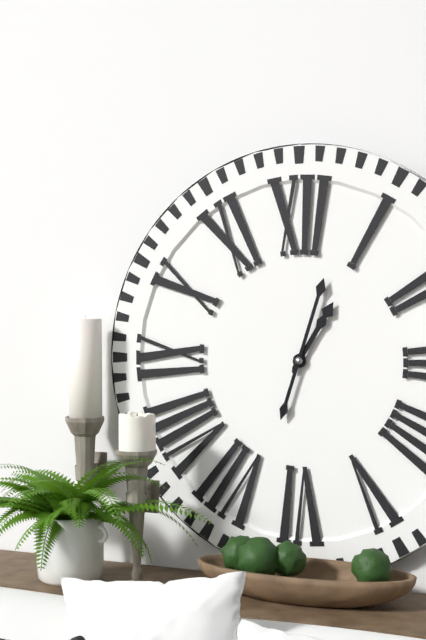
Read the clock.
1:03
